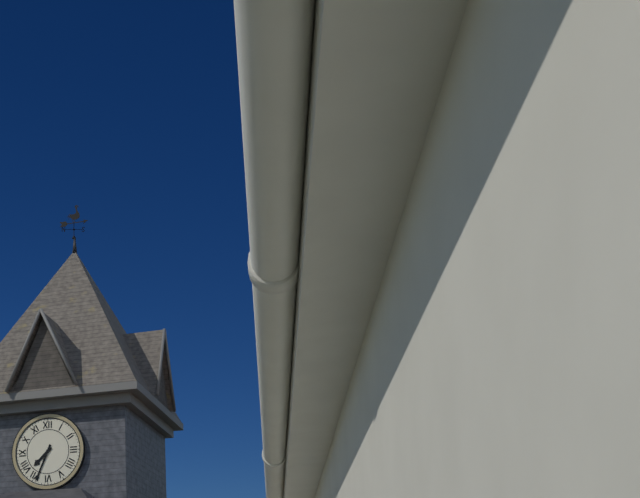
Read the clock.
7:34
